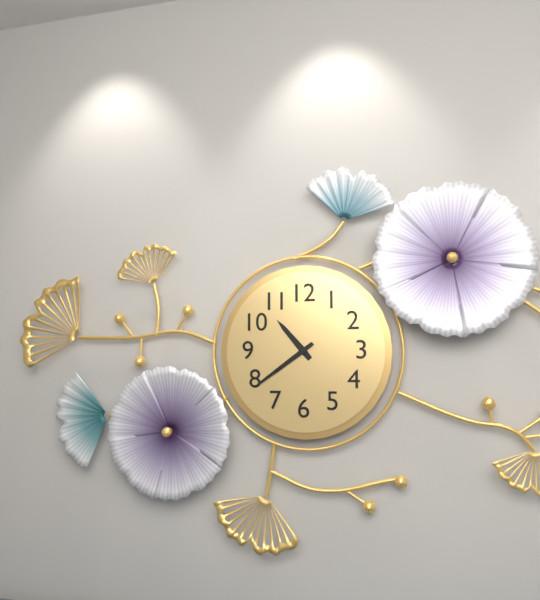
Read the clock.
10:39
